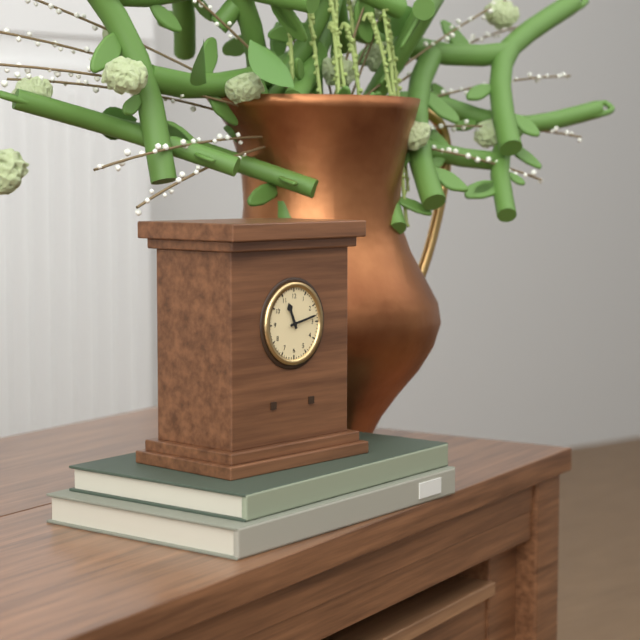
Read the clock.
11:13
